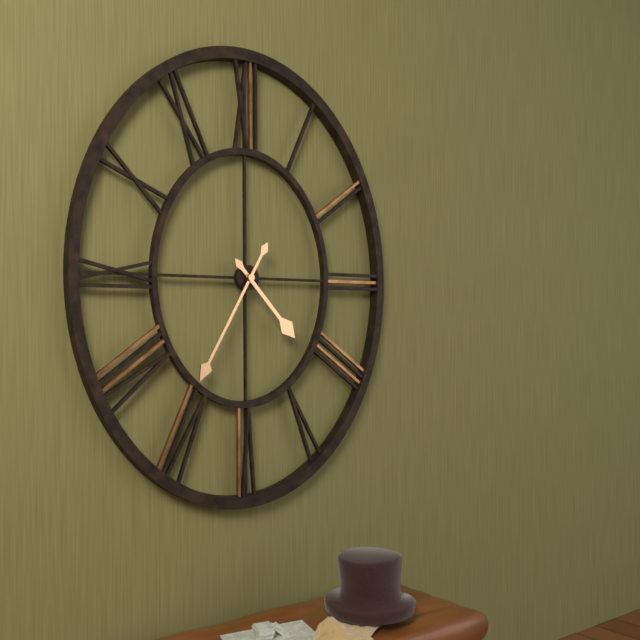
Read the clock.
4:35
